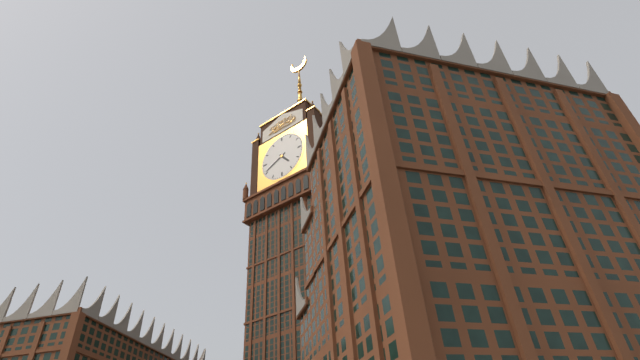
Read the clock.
4:41
